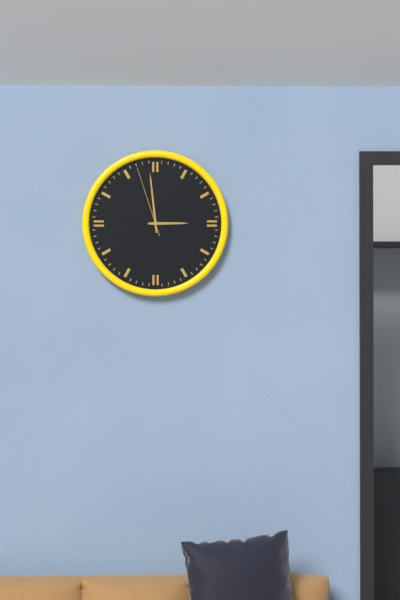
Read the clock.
2:59:57
